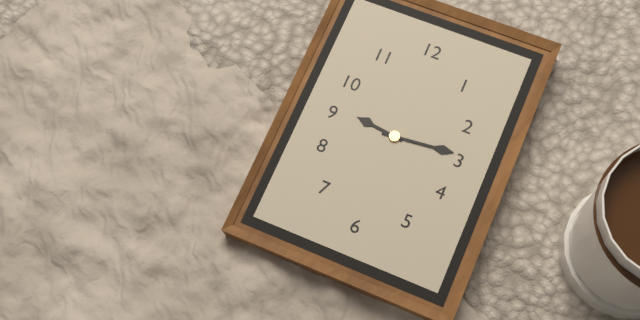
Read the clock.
9:14
